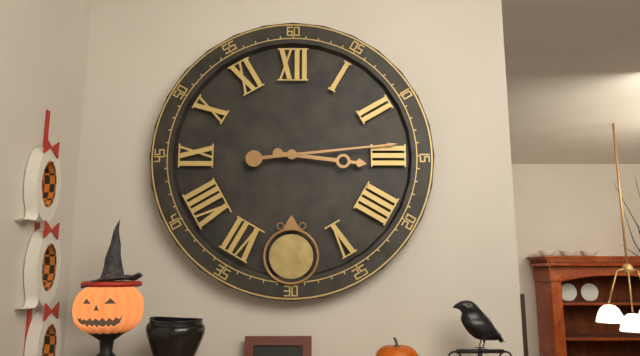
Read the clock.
3:14
